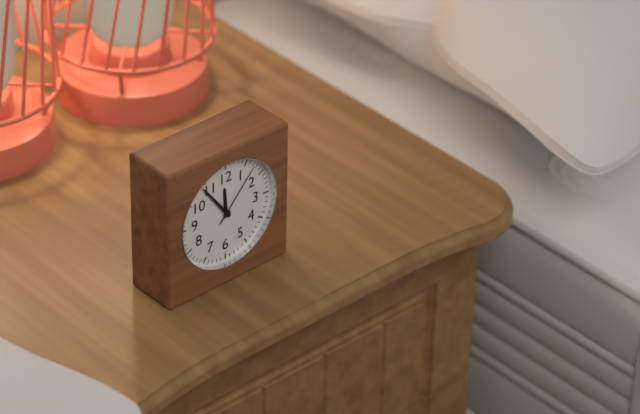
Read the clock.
11:54:07
